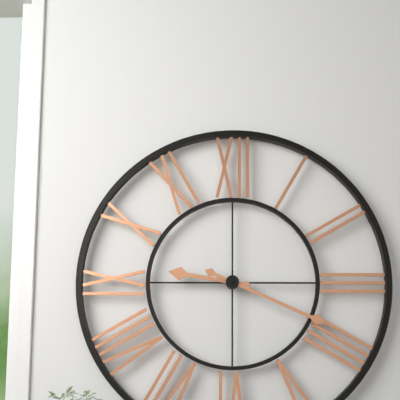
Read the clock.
9:19
